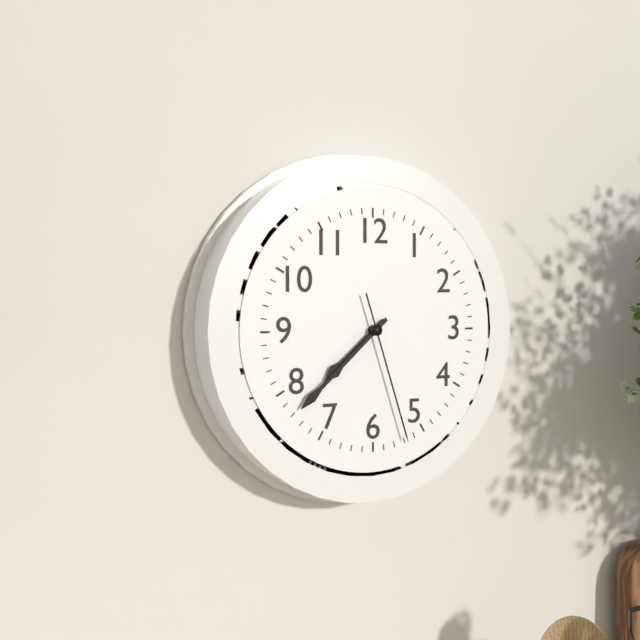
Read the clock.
7:38:27
